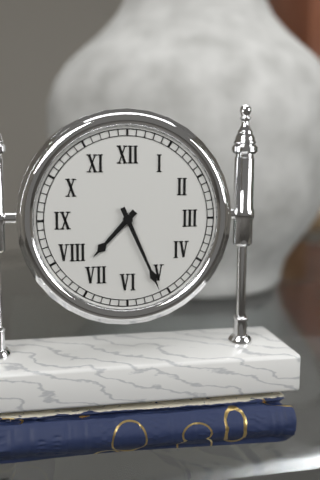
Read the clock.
7:26
